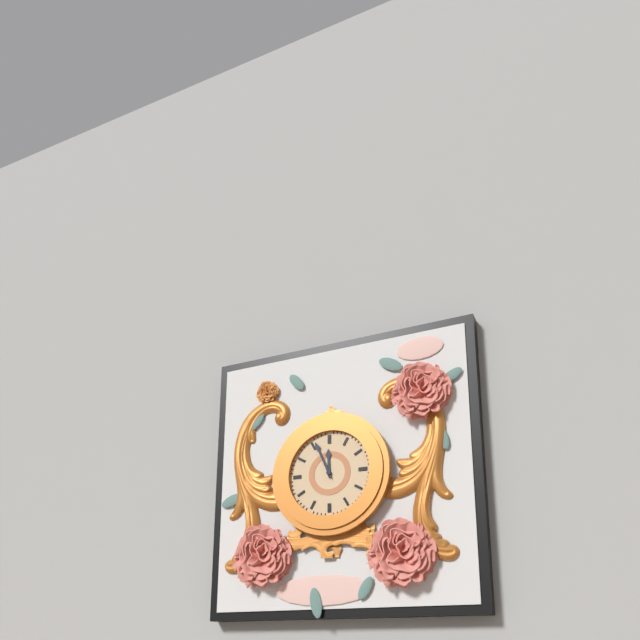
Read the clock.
11:56
